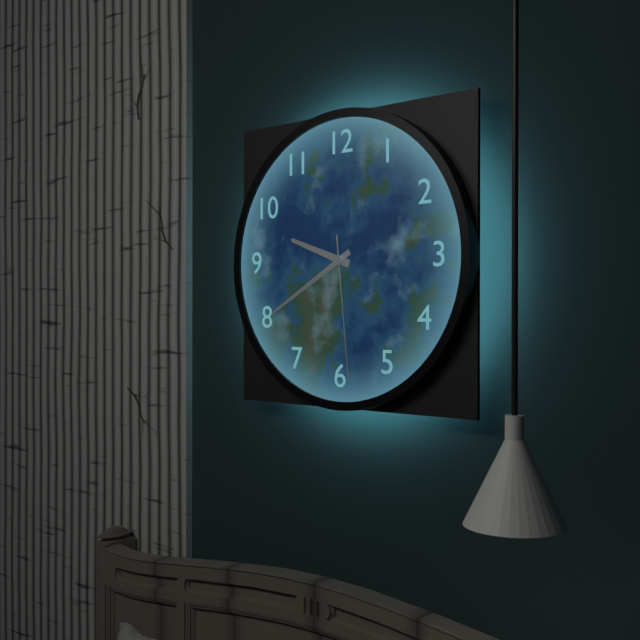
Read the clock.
9:40:29
